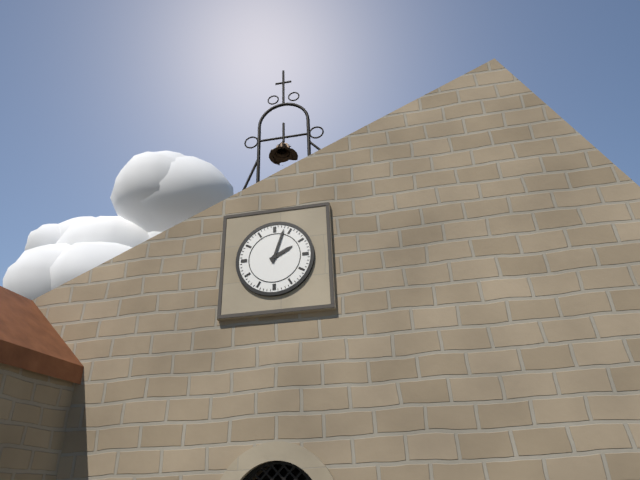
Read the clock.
2:03
